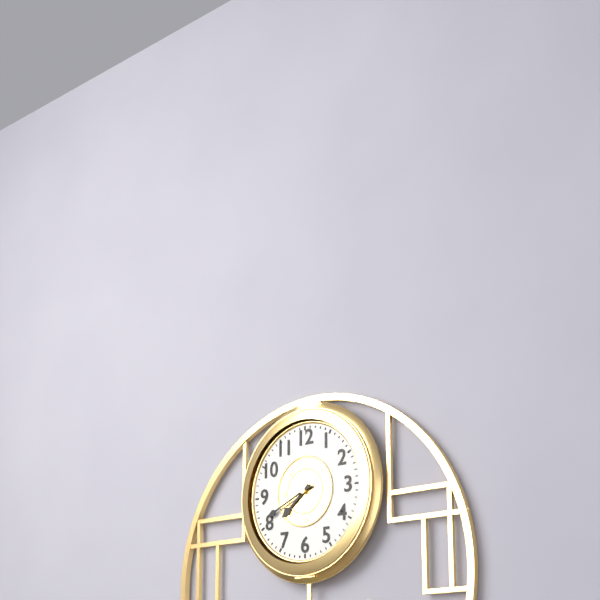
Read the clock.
7:41
